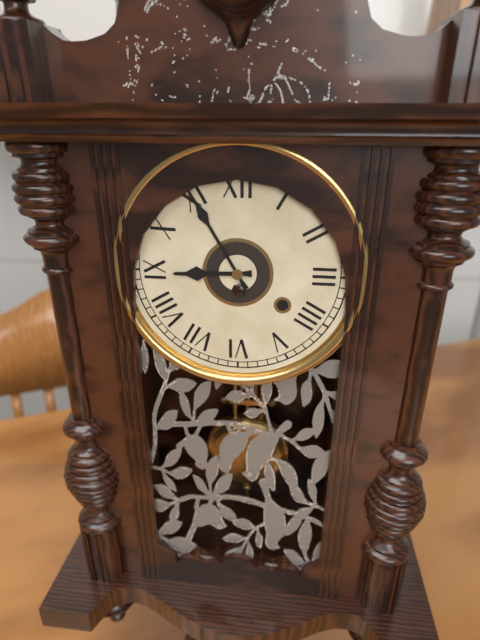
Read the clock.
8:55
